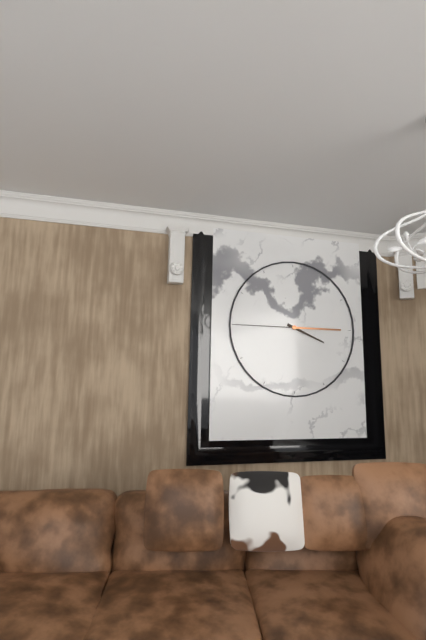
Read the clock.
3:45
